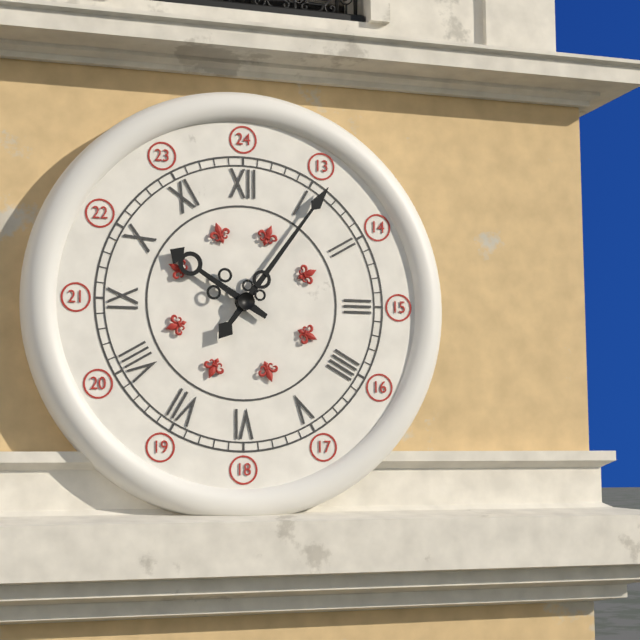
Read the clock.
10:06
